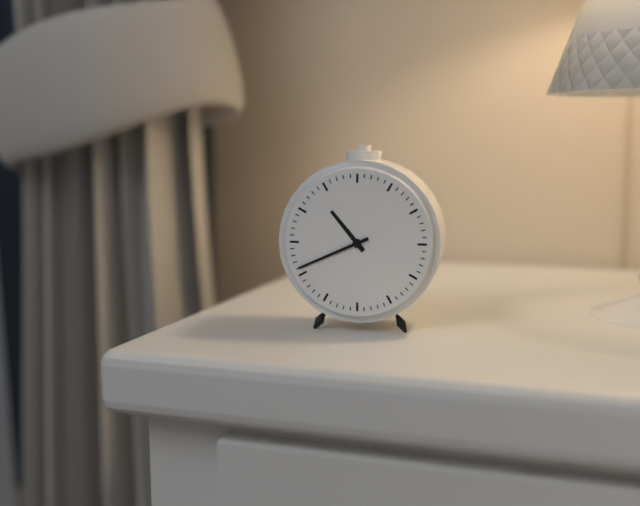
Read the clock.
10:41
